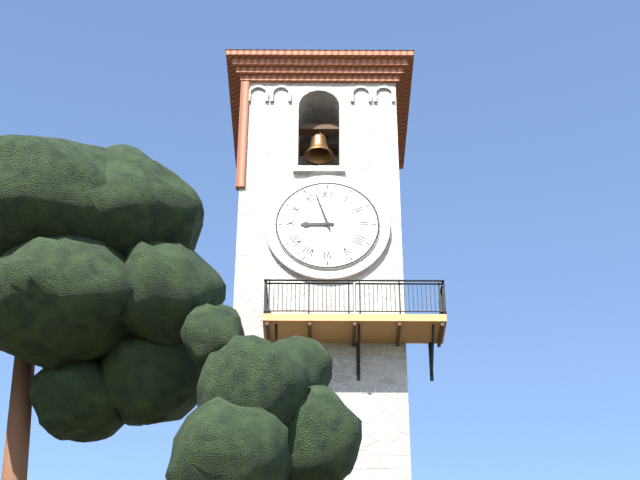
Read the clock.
8:57
